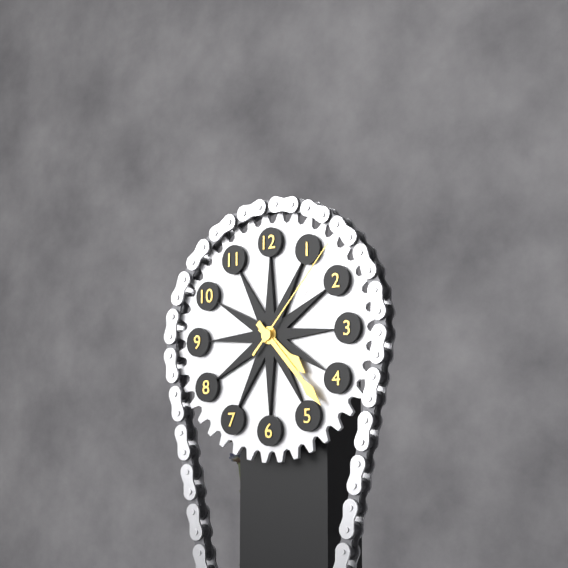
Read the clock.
4:23:07
